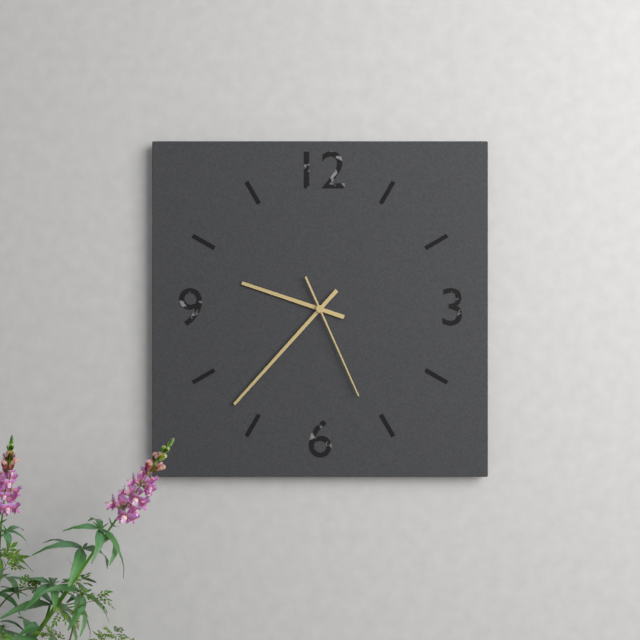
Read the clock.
9:37:26
